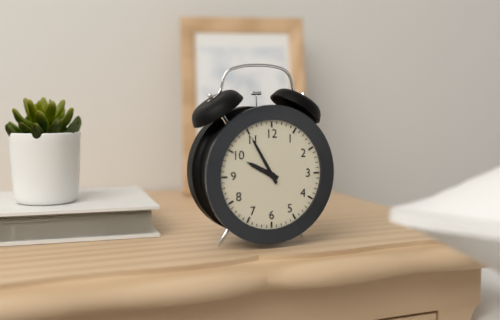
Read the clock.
9:55
